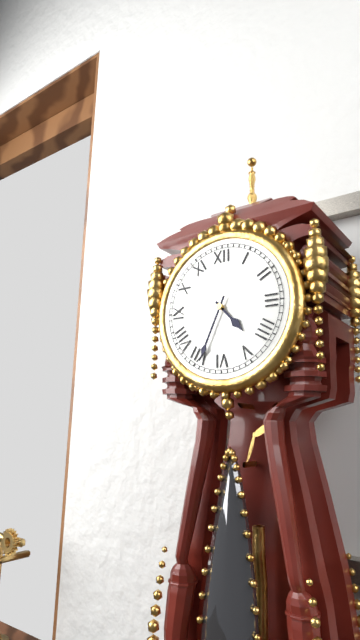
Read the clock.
4:34
